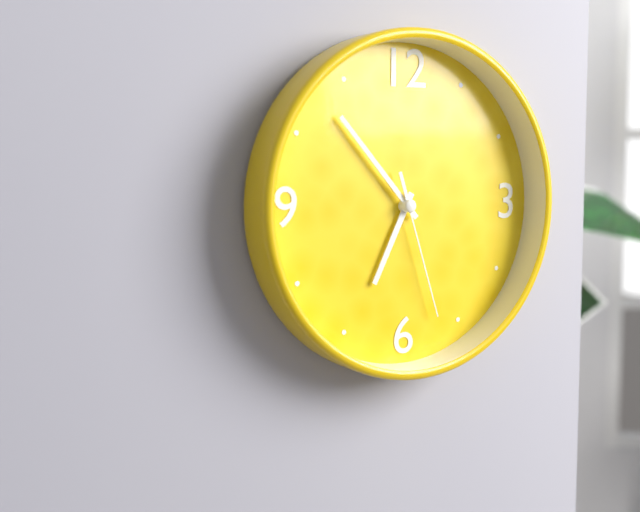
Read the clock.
6:53:27
